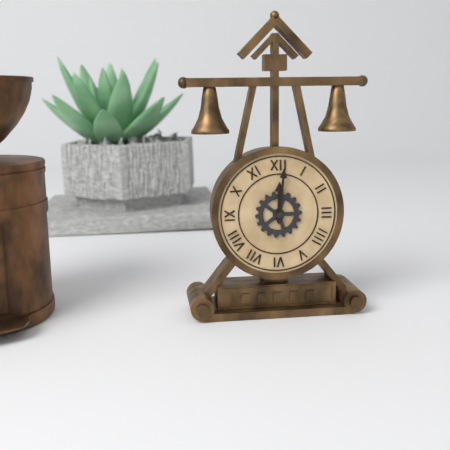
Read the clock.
12:01
